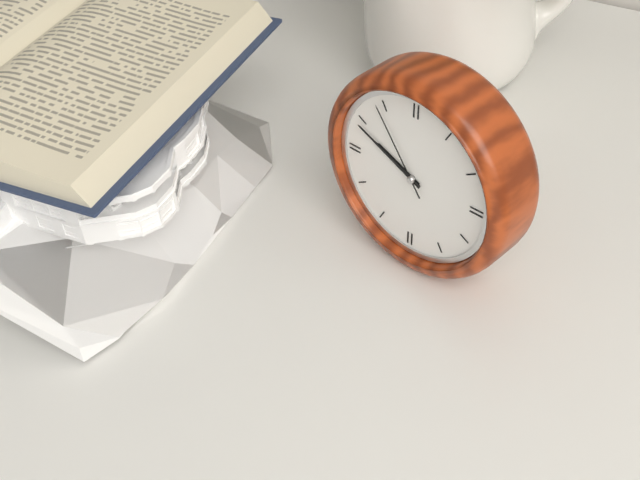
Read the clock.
9:49:54
